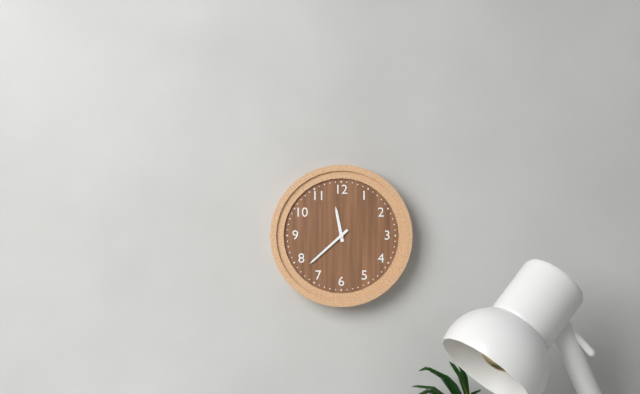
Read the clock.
11:38
